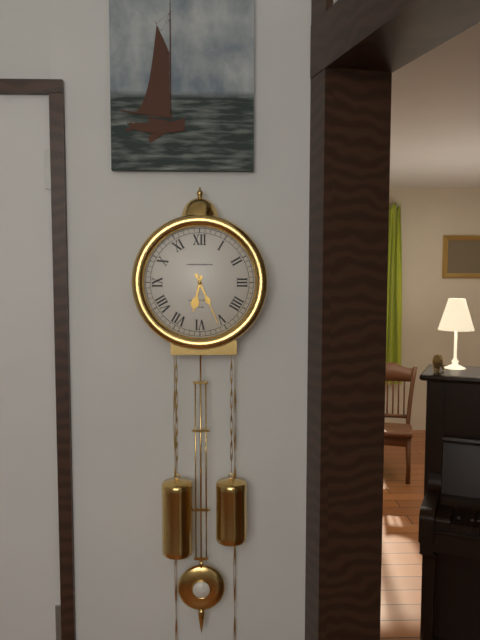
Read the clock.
6:26
